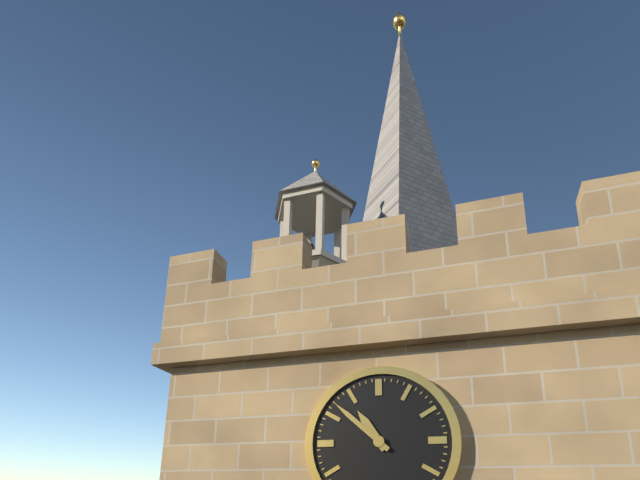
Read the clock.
10:52
